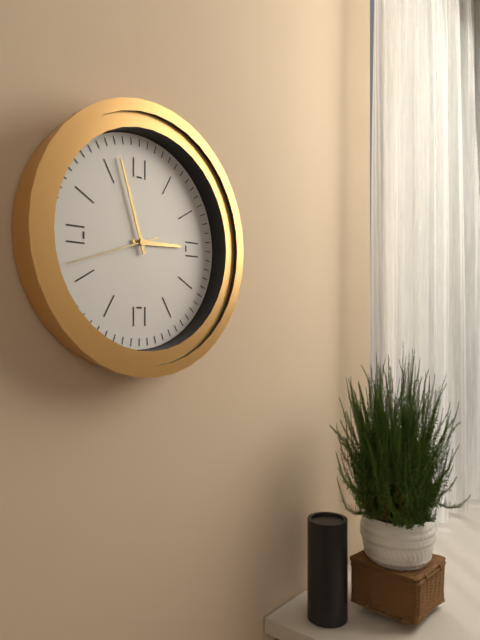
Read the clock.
2:57:42
